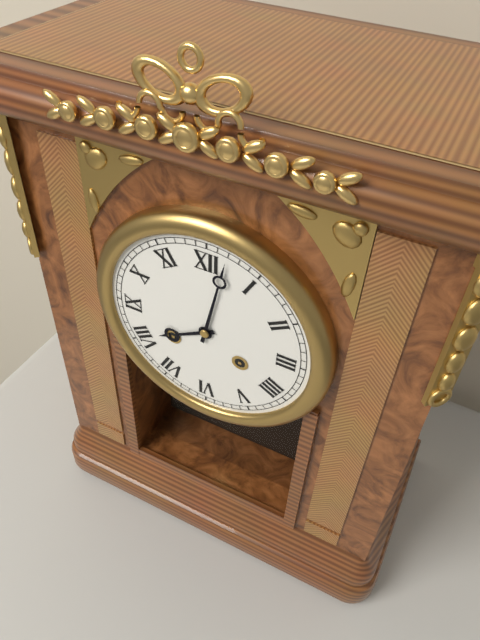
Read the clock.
8:02
